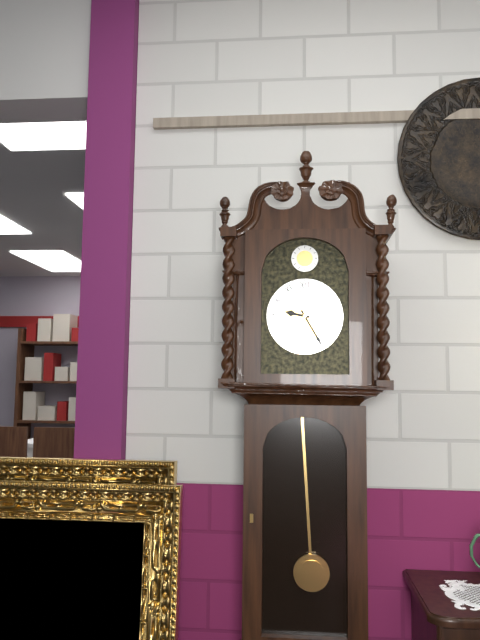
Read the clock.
9:25
